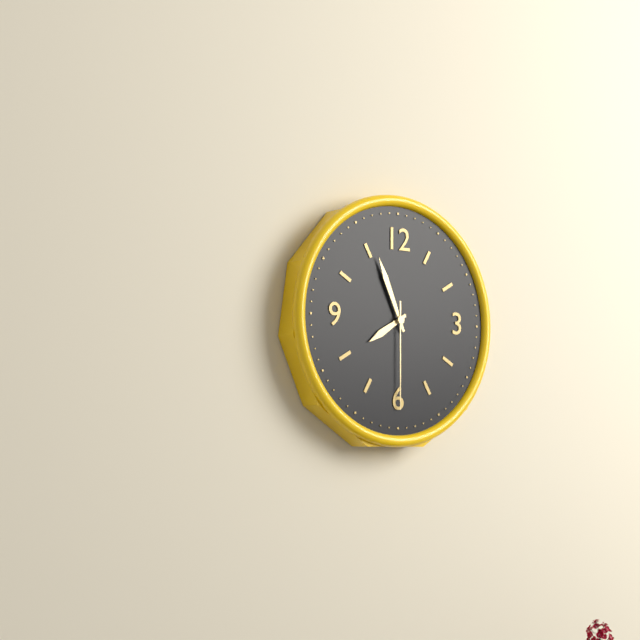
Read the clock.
7:56:30
